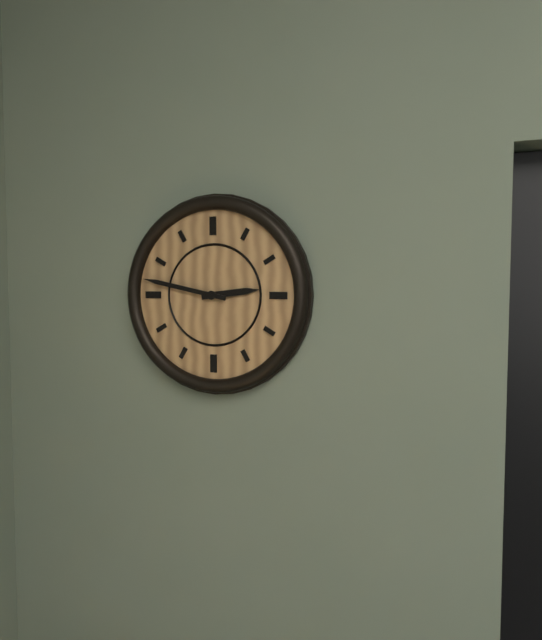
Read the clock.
2:47
